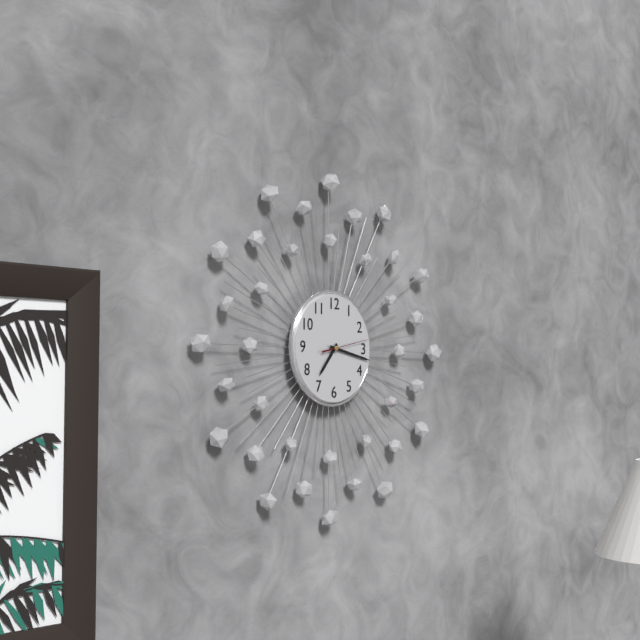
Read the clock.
7:17
